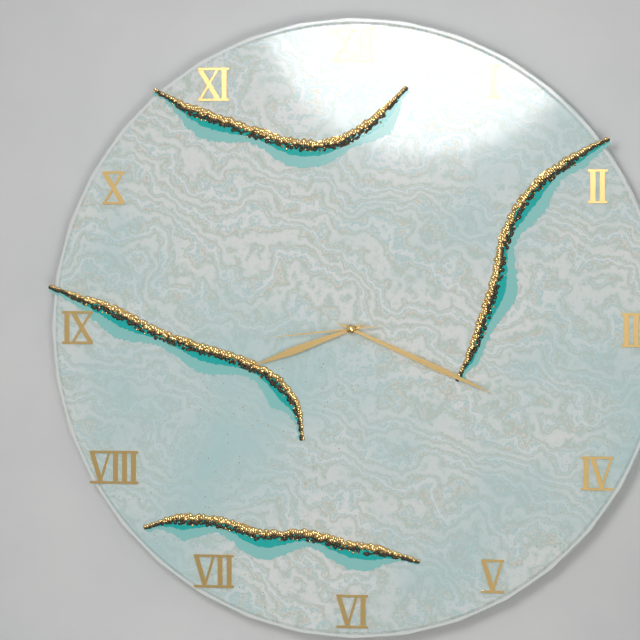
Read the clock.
8:19:44
